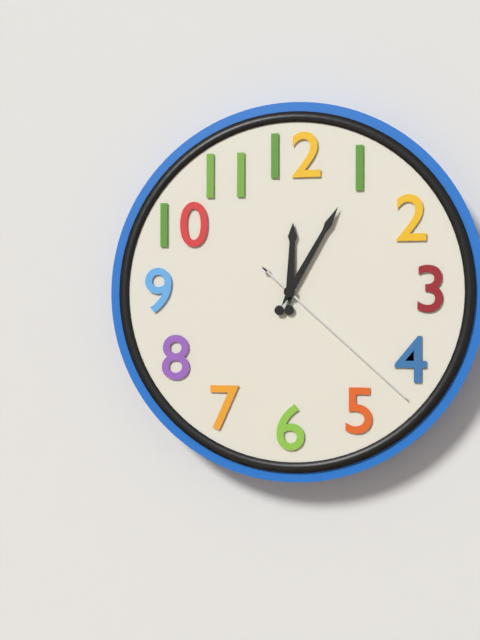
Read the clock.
12:05:22
